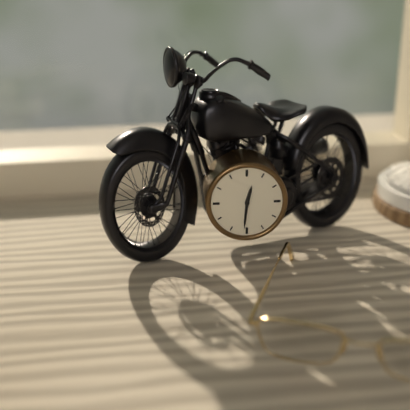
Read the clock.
12:31
